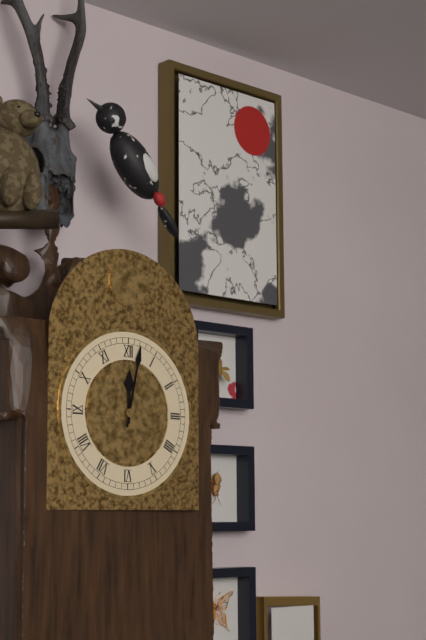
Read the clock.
12:02
